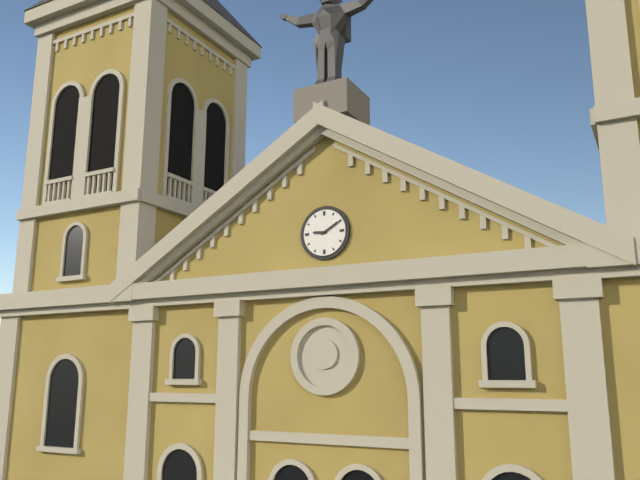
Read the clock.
9:10
